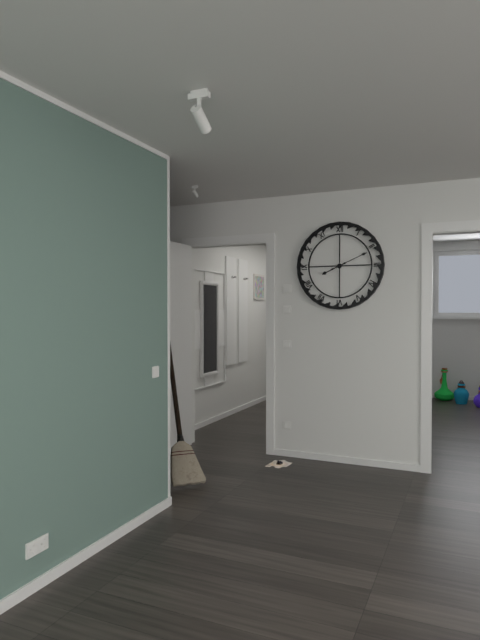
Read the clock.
8:11
